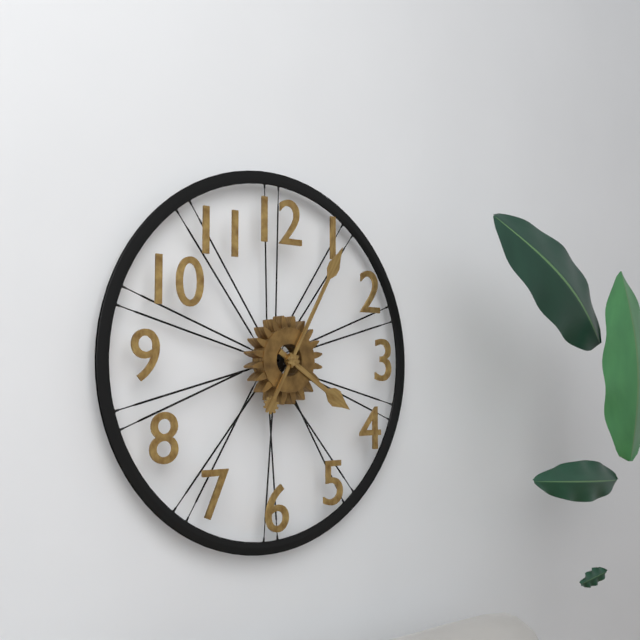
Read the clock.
4:05
